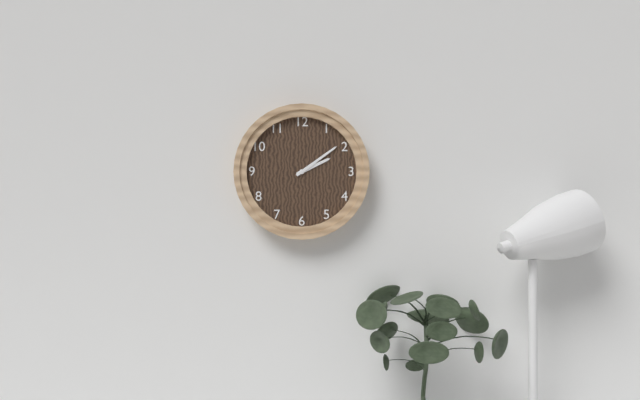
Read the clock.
2:09
